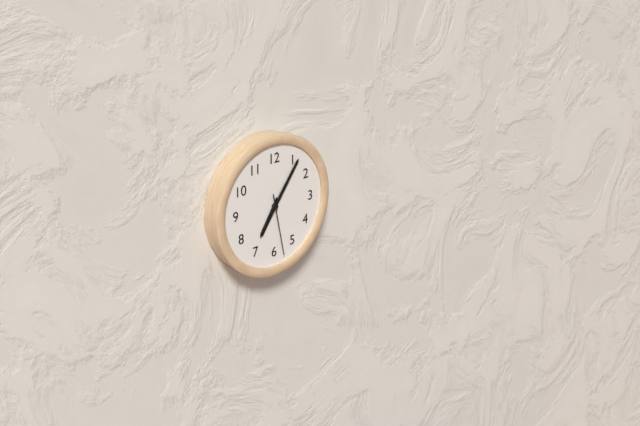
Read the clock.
7:06:28
